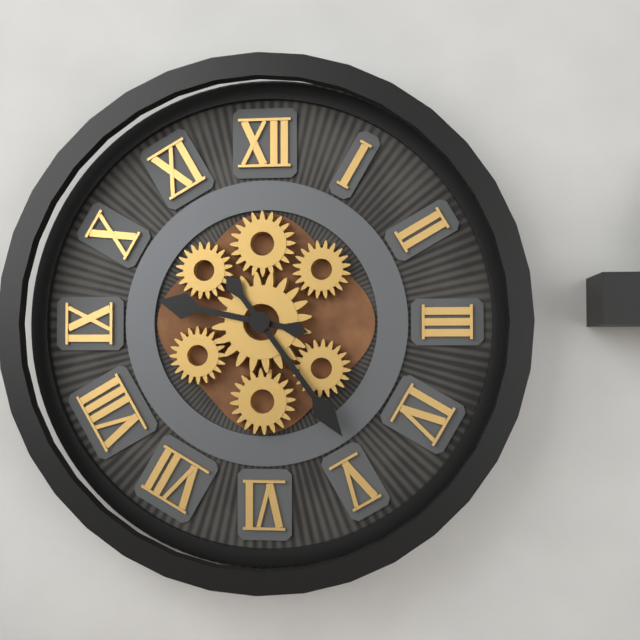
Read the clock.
9:24
